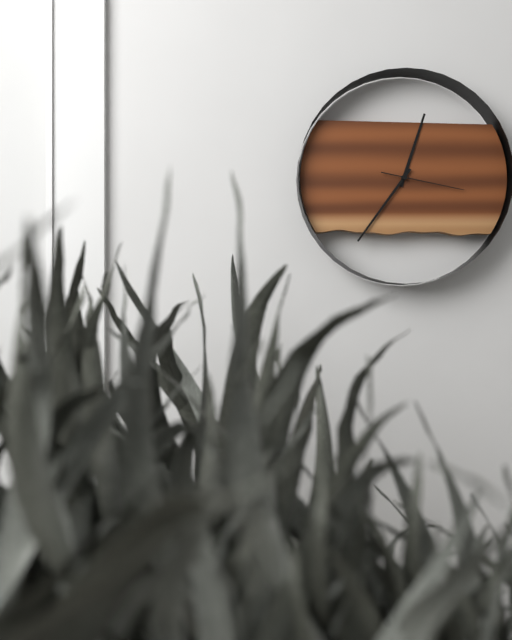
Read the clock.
12:36:17
